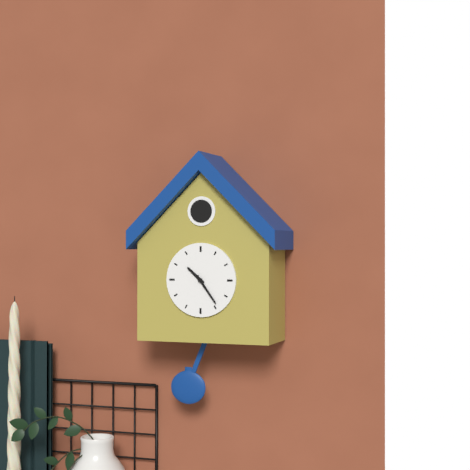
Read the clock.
10:24
